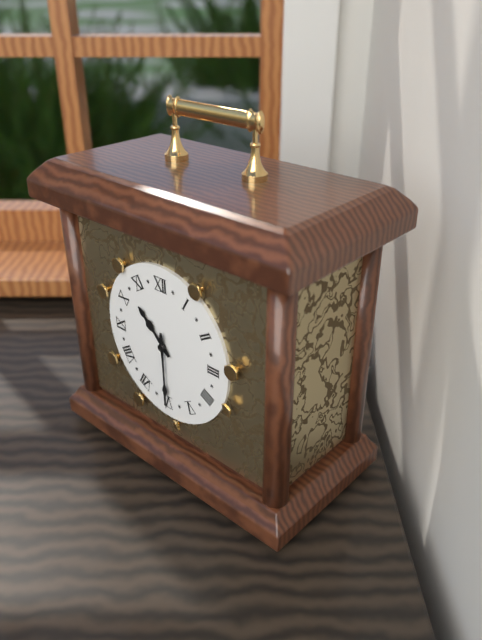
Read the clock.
10:30
